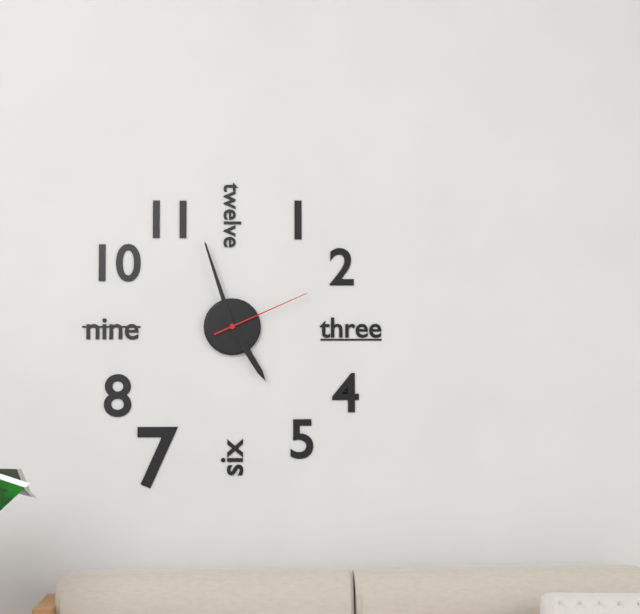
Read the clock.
4:57:11
